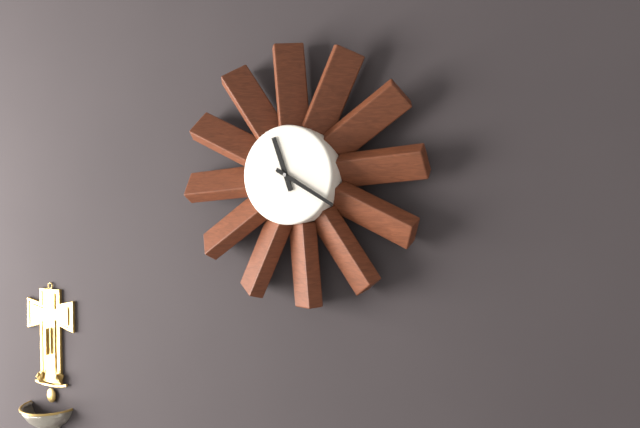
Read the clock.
11:20
